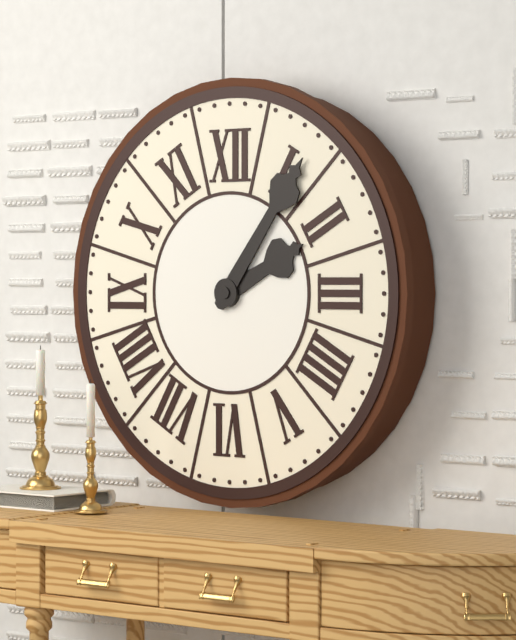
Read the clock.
2:06
